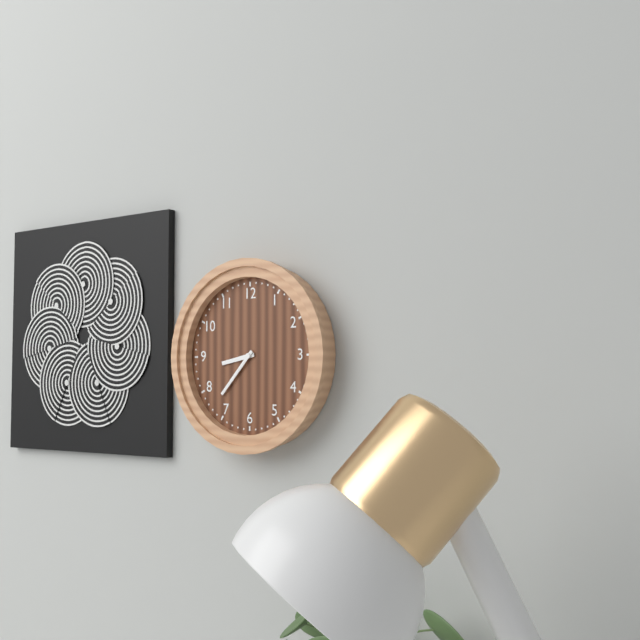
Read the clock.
8:37
